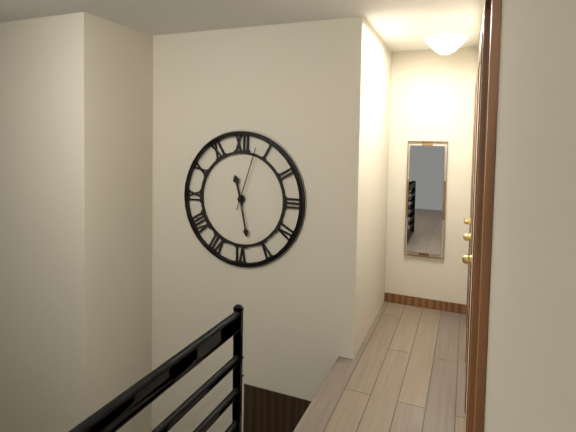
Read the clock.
11:28:03
